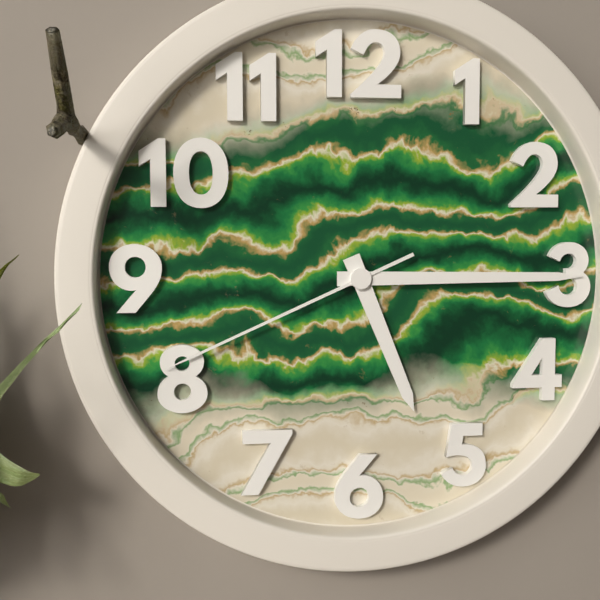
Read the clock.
5:15:41
